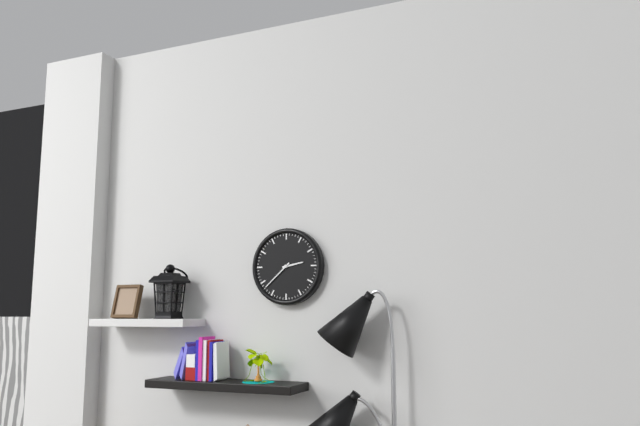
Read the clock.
2:38
